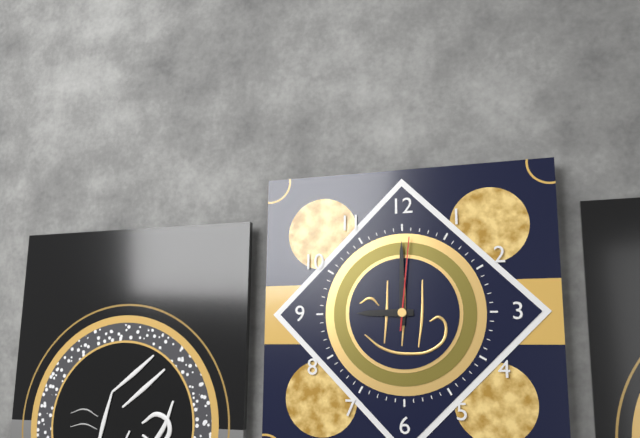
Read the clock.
9:00:01
